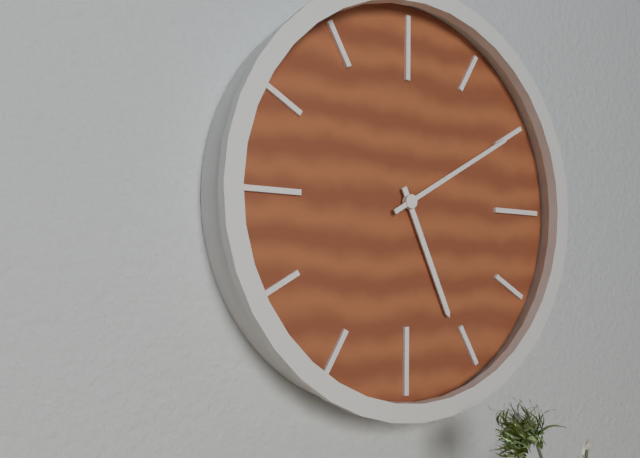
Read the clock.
5:10
